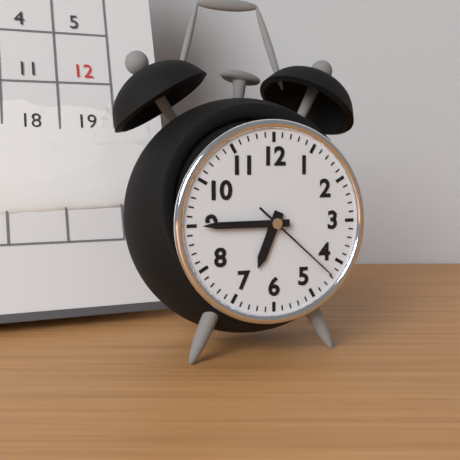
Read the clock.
6:45:22
